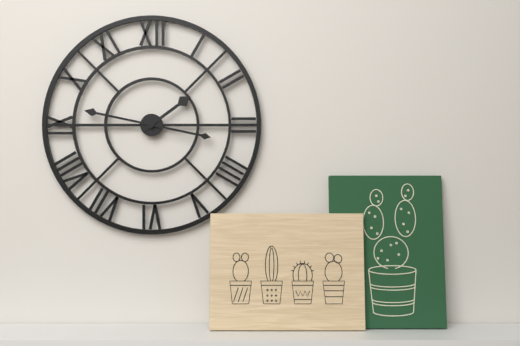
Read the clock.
1:47
